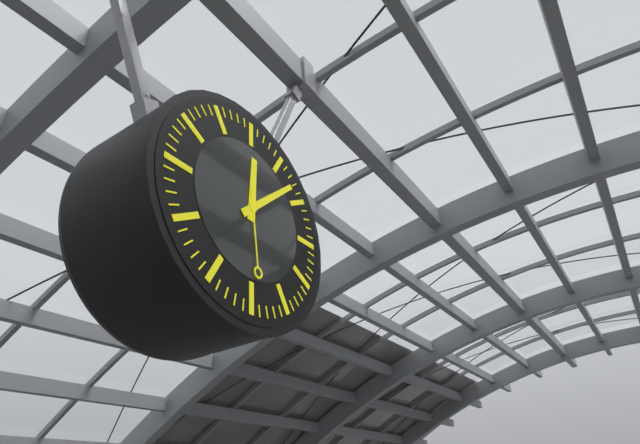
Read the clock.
12:08:29
